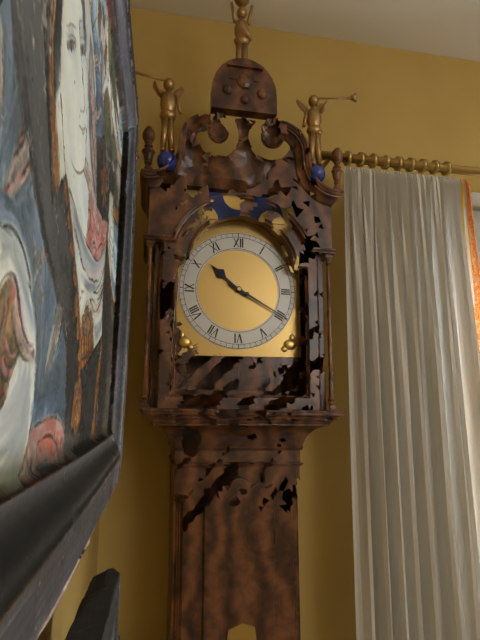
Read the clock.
10:20
